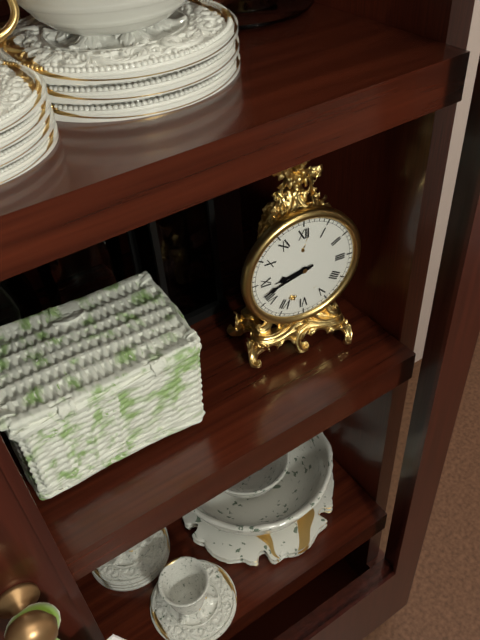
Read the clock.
8:42
